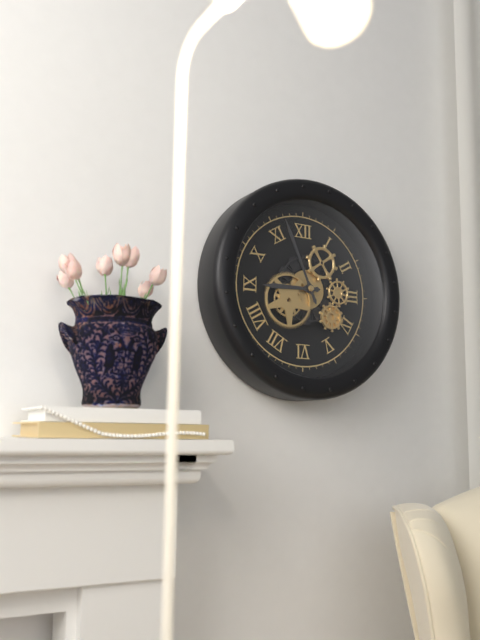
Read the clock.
8:56
